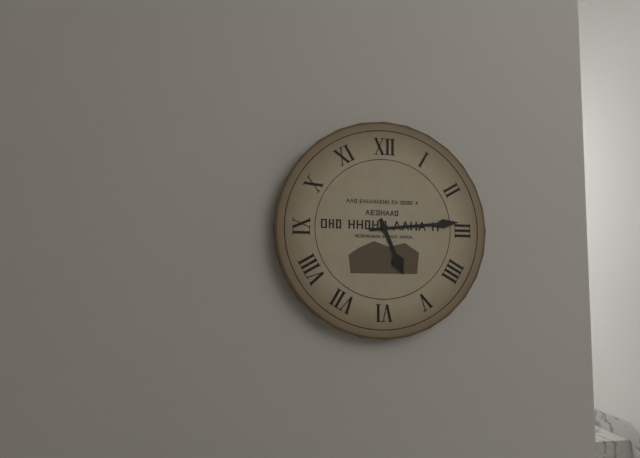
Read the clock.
5:14
